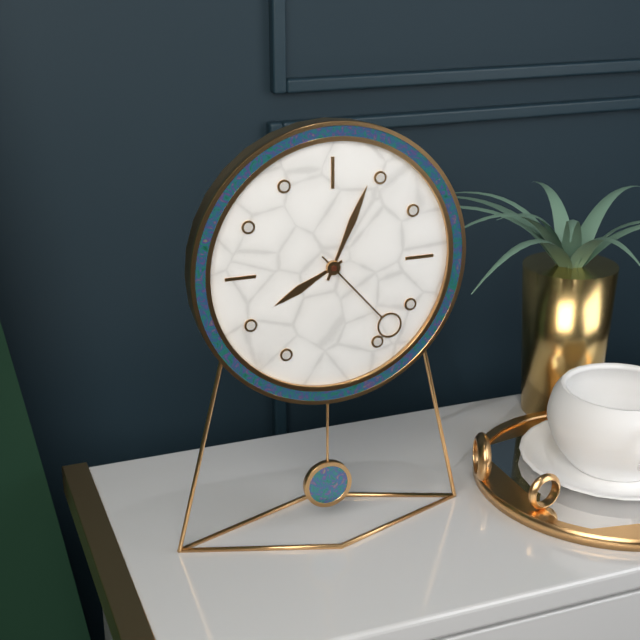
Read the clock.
8:04:23
